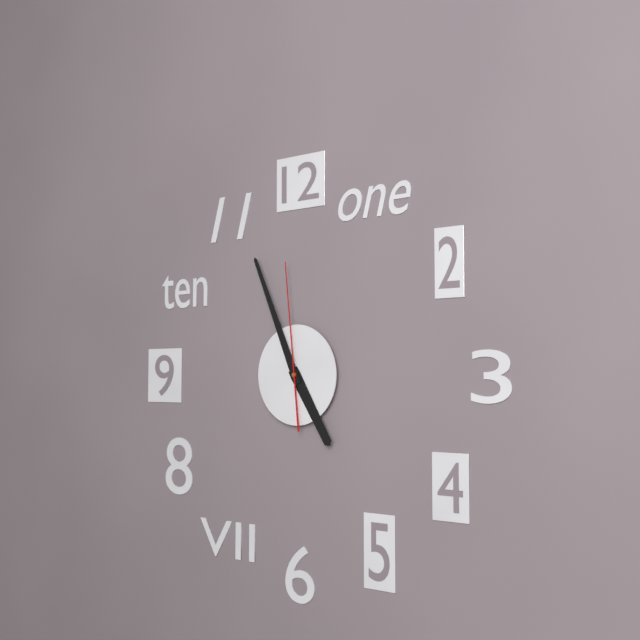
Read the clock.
4:56:59
